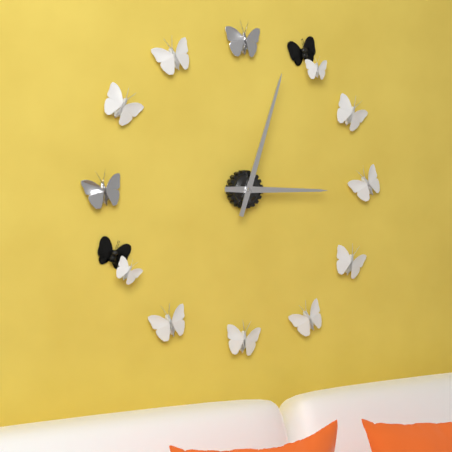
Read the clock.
3:03
